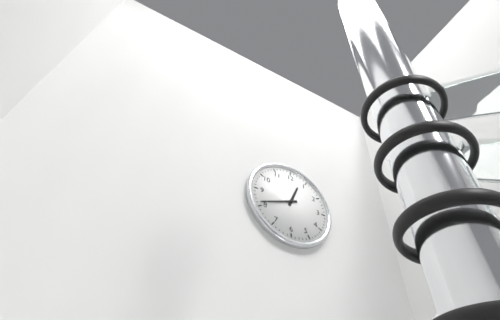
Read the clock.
12:41
